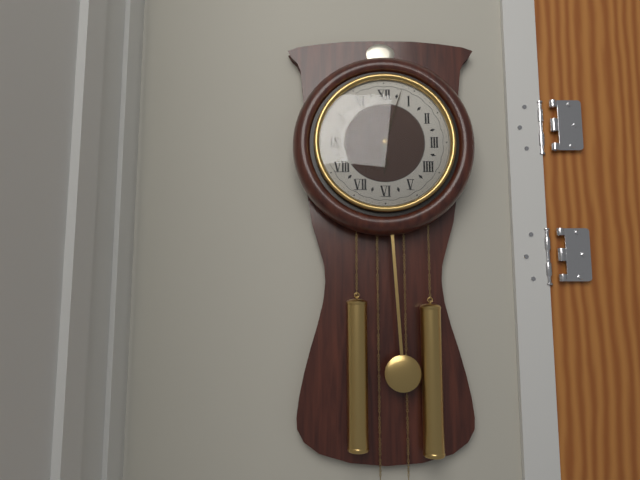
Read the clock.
6:03
